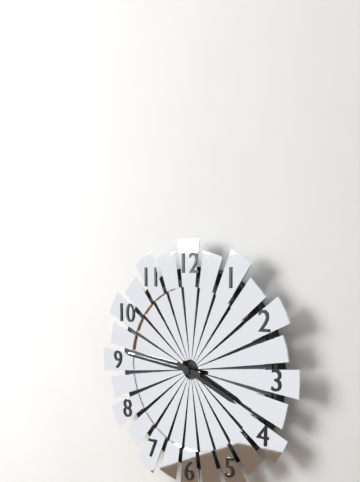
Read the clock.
3:46
